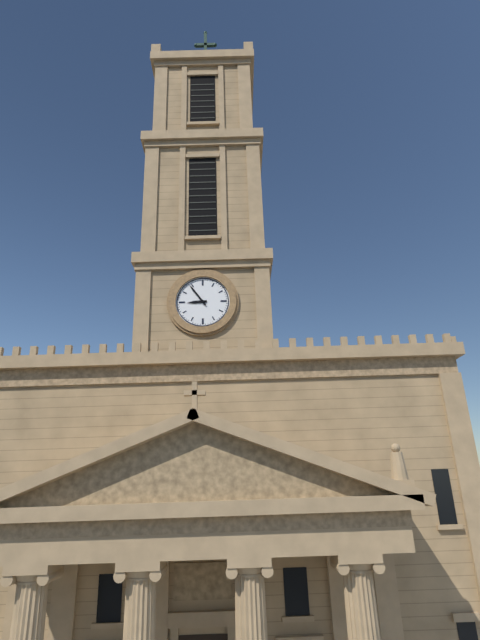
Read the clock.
8:54
